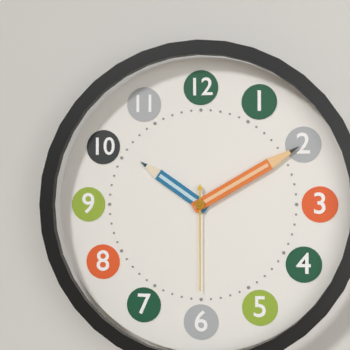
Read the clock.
10:10:30
